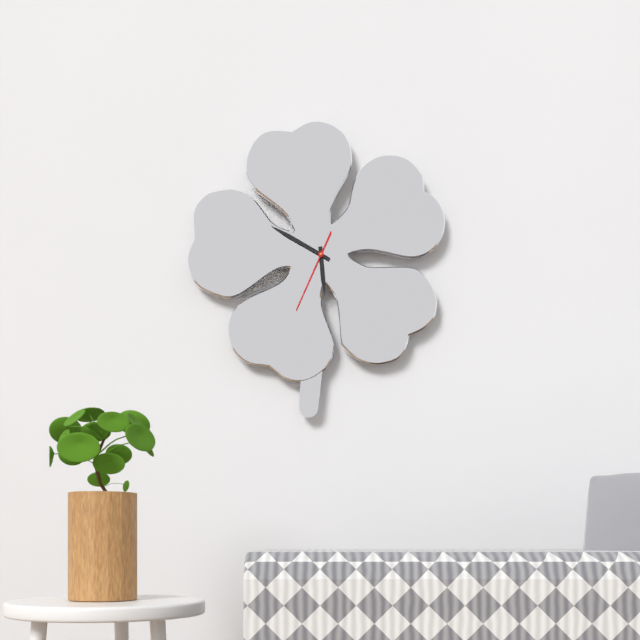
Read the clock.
5:50:34
